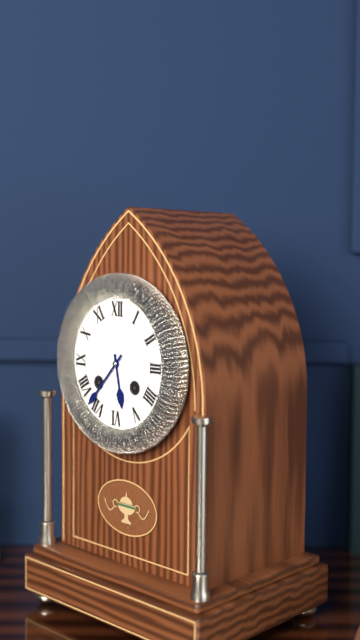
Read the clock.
5:37
